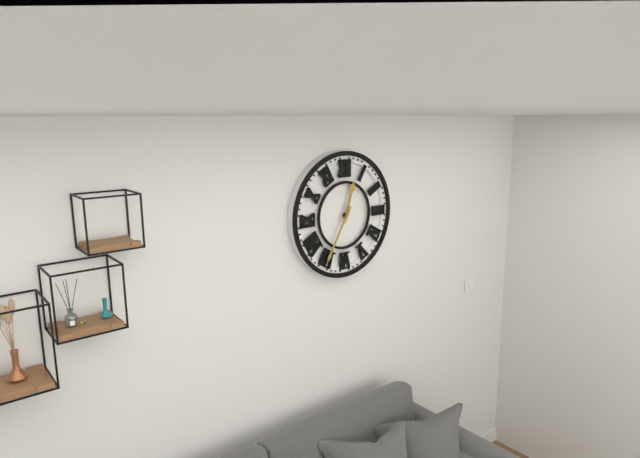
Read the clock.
12:35
